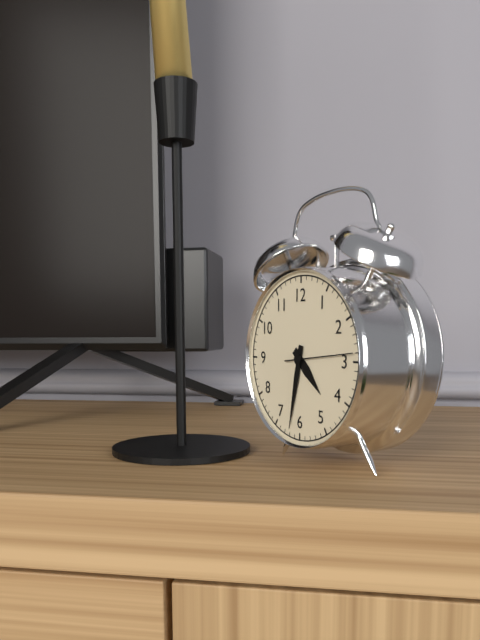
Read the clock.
4:32:14
